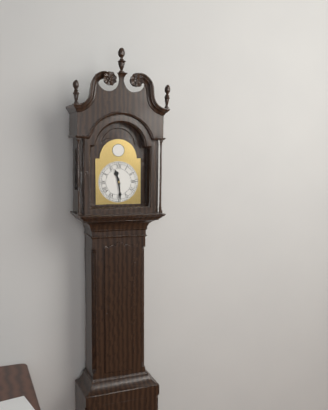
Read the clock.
11:29
